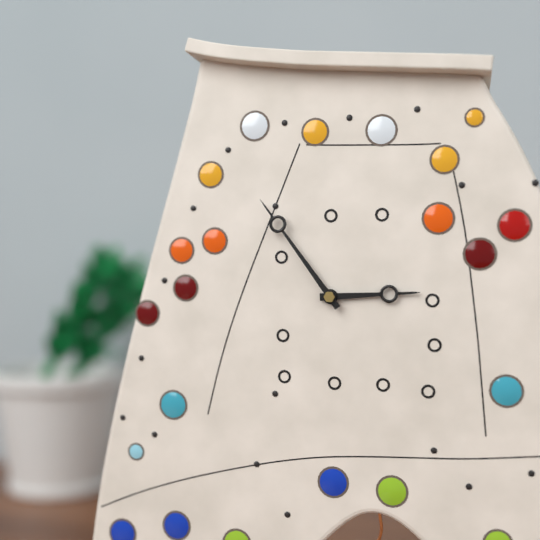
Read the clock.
2:54
